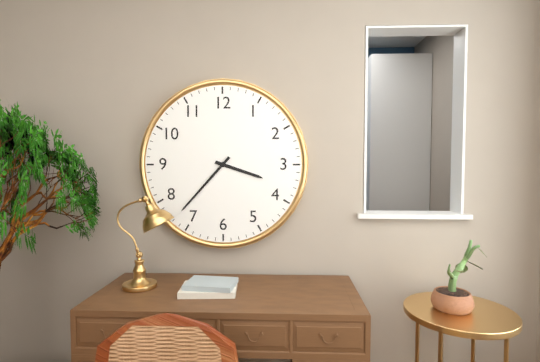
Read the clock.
3:37
